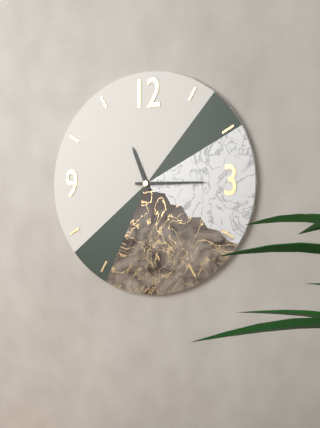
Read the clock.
11:15
